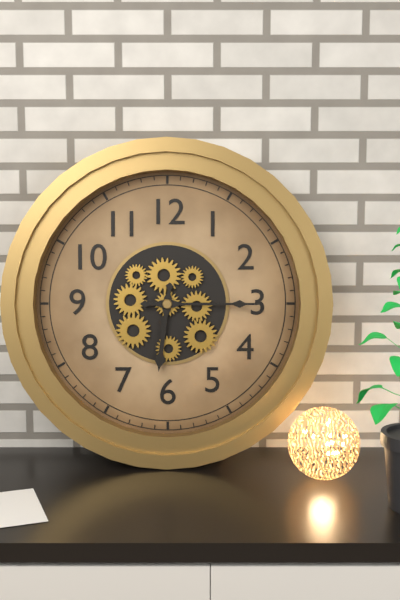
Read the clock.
6:15
